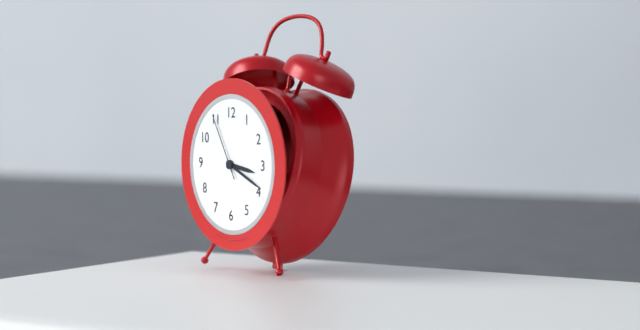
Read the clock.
3:19:55
